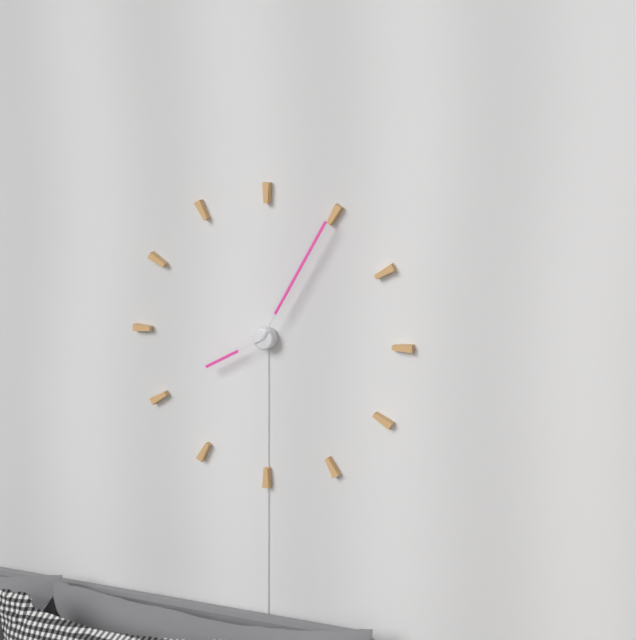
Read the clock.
8:05
